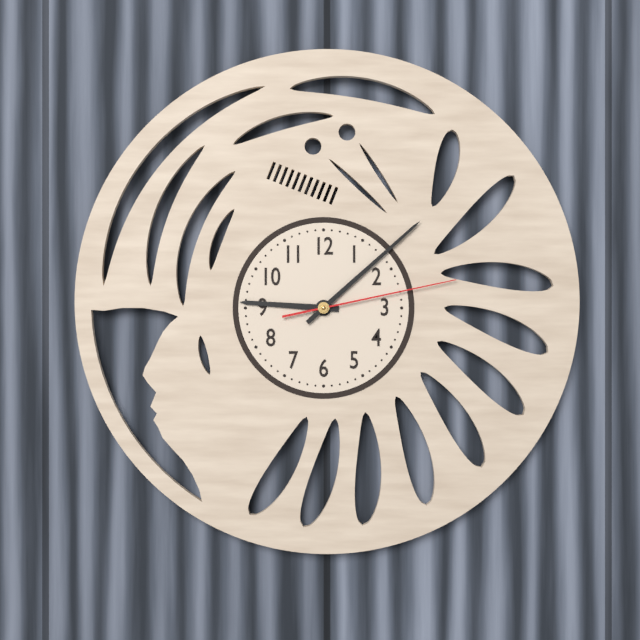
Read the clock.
9:08:13
